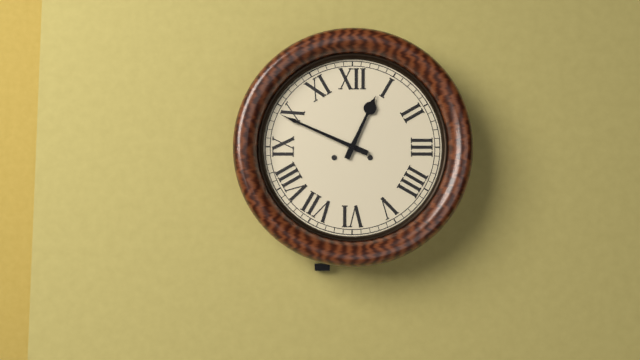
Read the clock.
12:49
